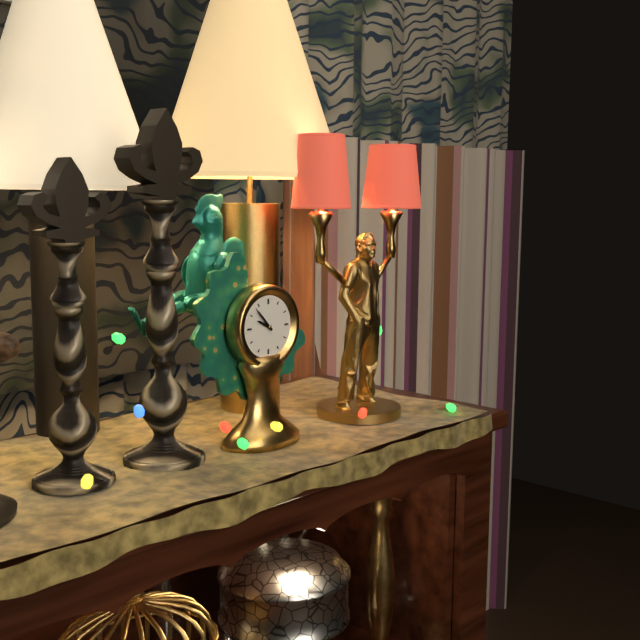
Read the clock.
9:53
